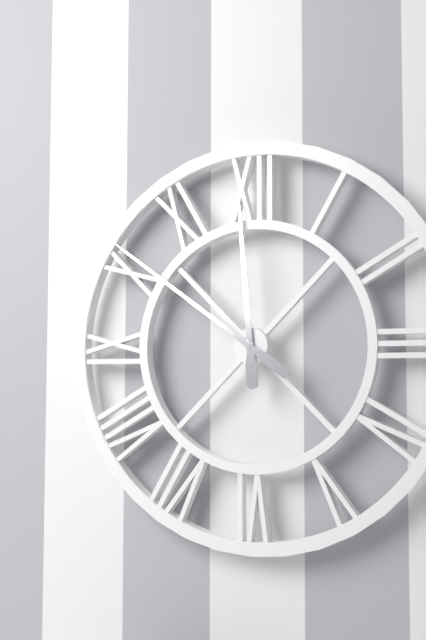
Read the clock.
11:51
